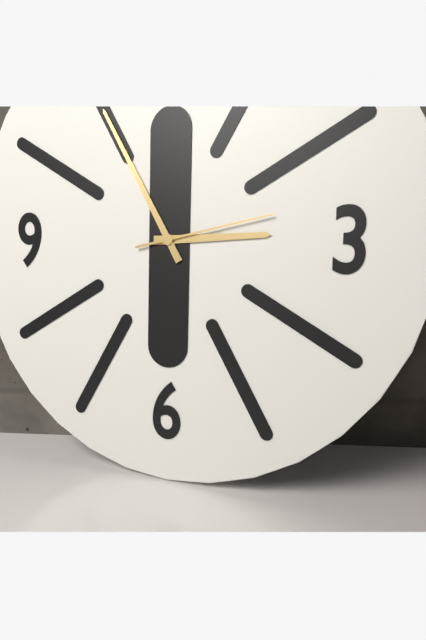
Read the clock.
2:55:13
